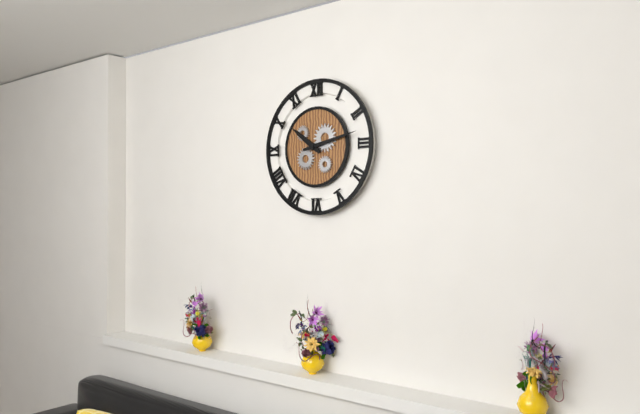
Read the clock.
10:13
